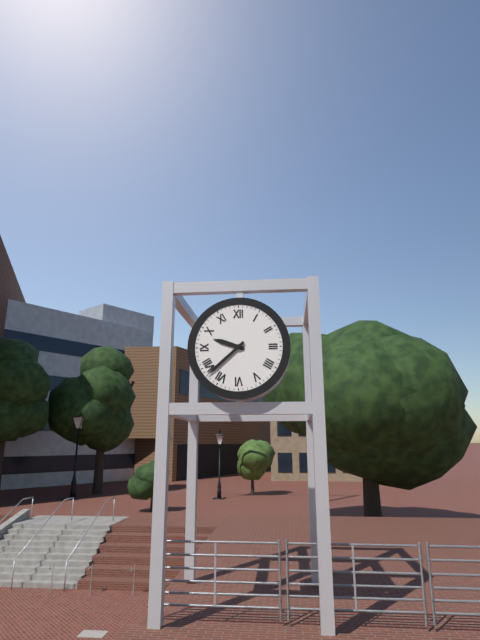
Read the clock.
9:38
